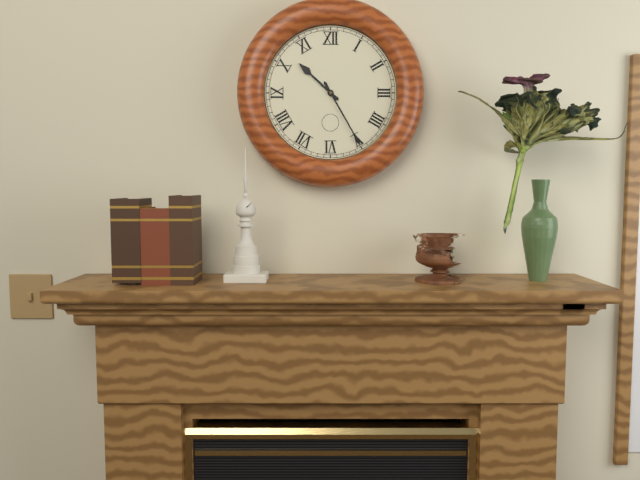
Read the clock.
10:25
